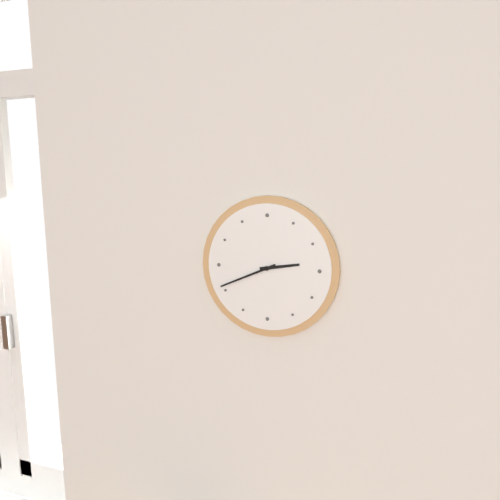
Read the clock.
2:41
